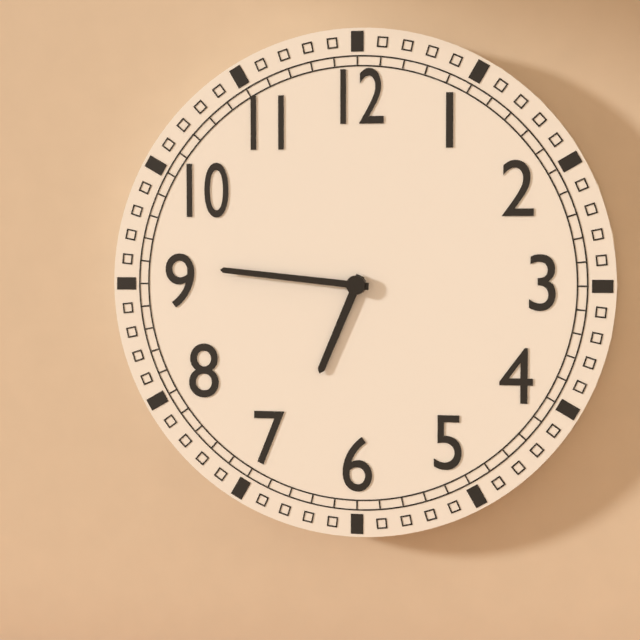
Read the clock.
6:46
